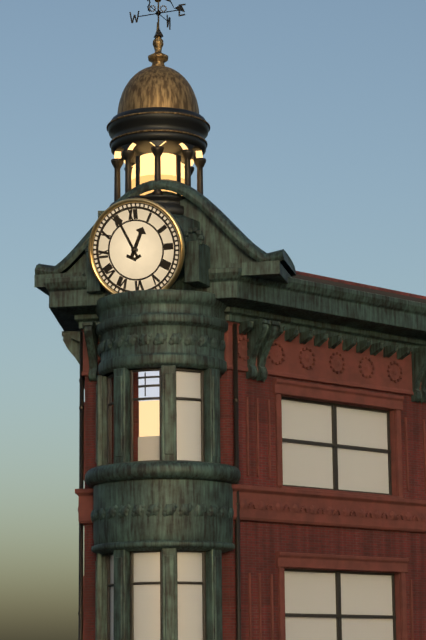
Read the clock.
12:56
